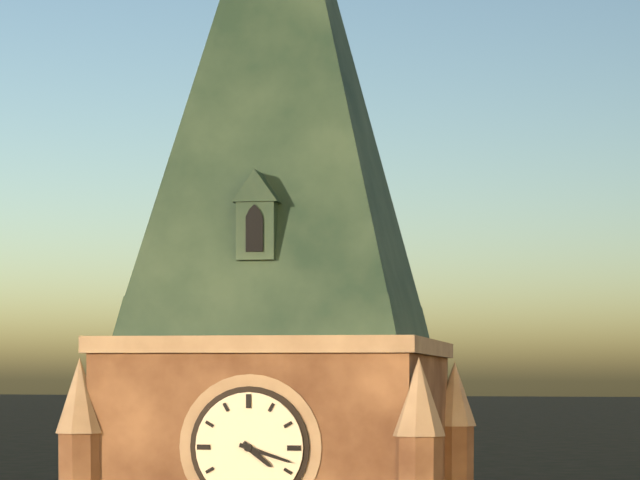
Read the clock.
4:18
